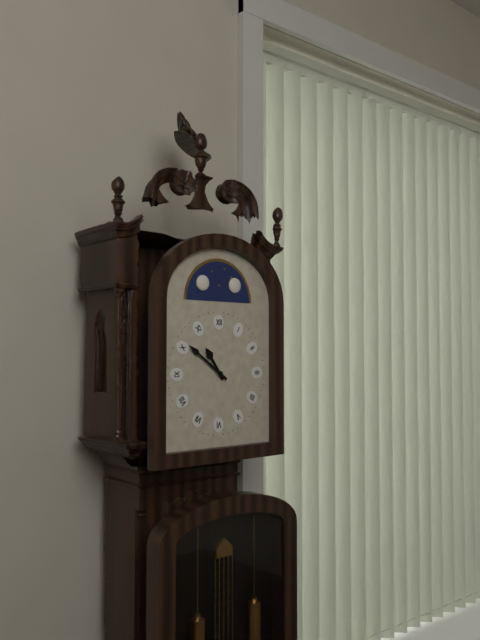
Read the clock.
10:51
